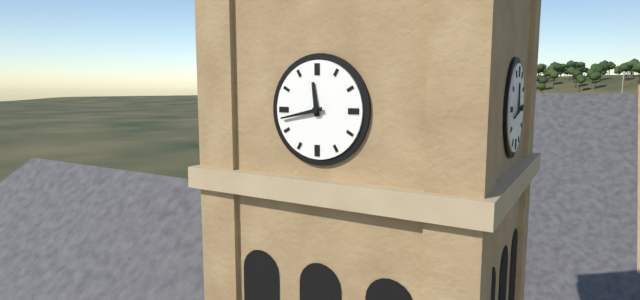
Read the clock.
11:43
